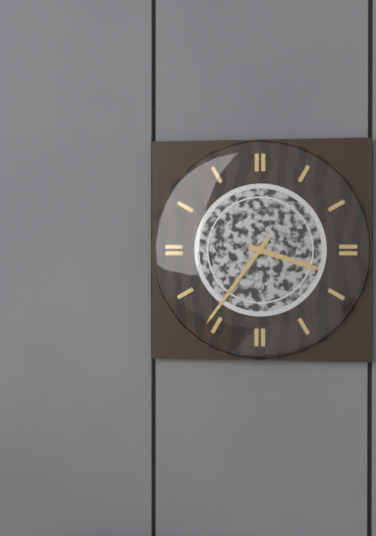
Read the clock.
3:36
